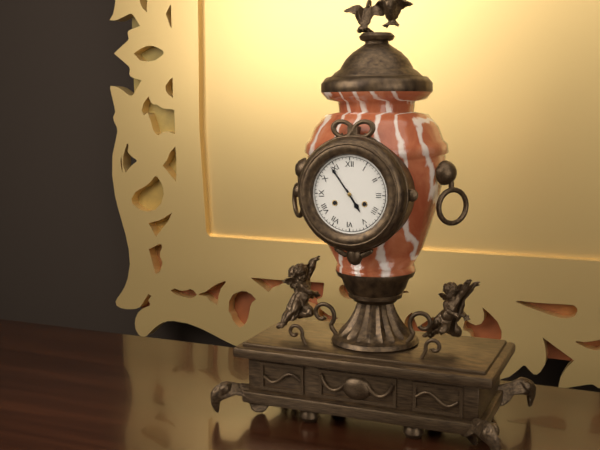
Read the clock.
4:54
